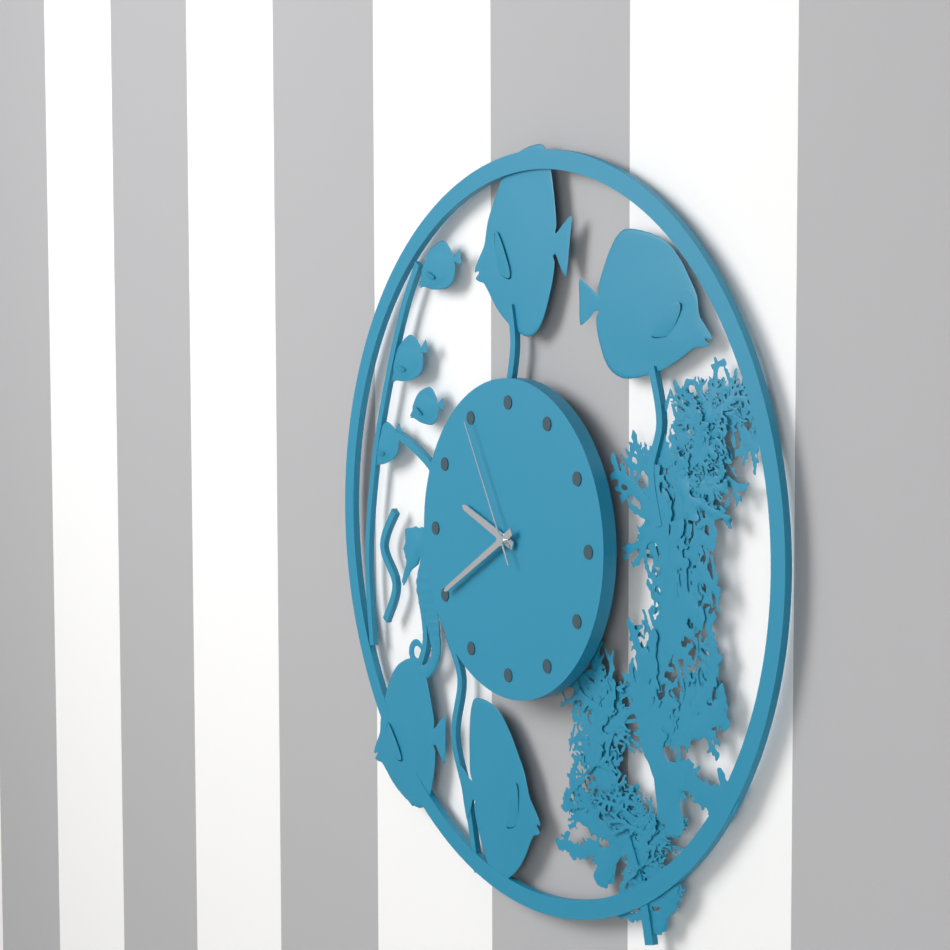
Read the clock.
9:40:55
